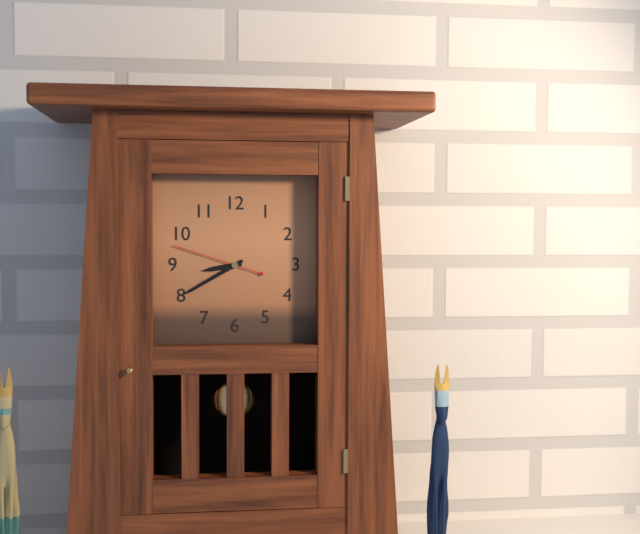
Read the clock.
8:40:48
